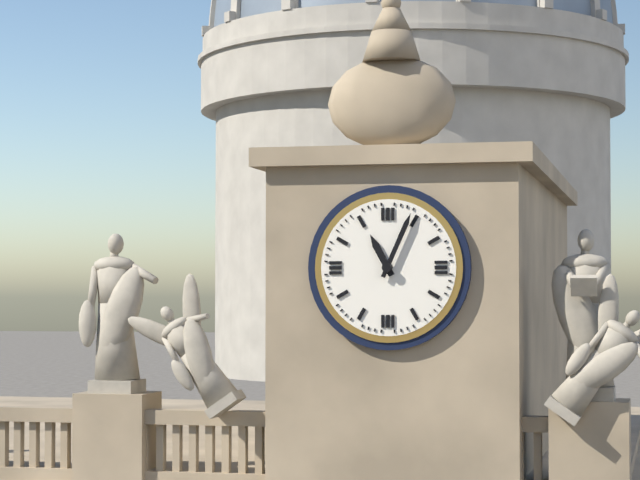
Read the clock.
11:04
